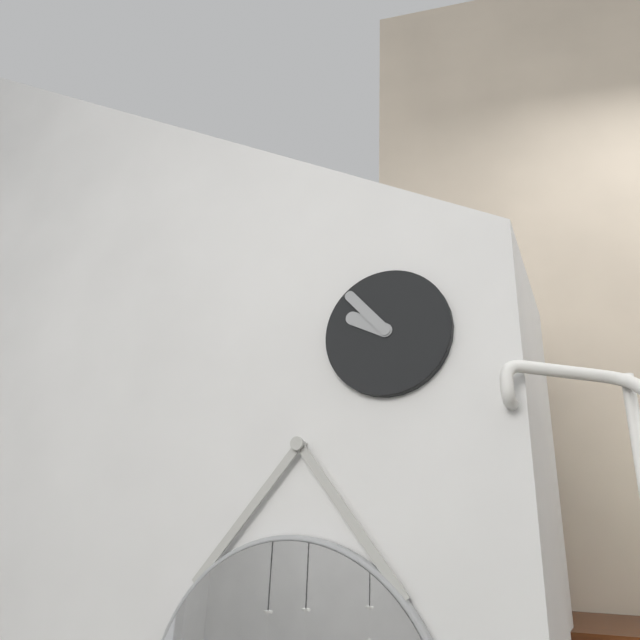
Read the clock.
9:53
